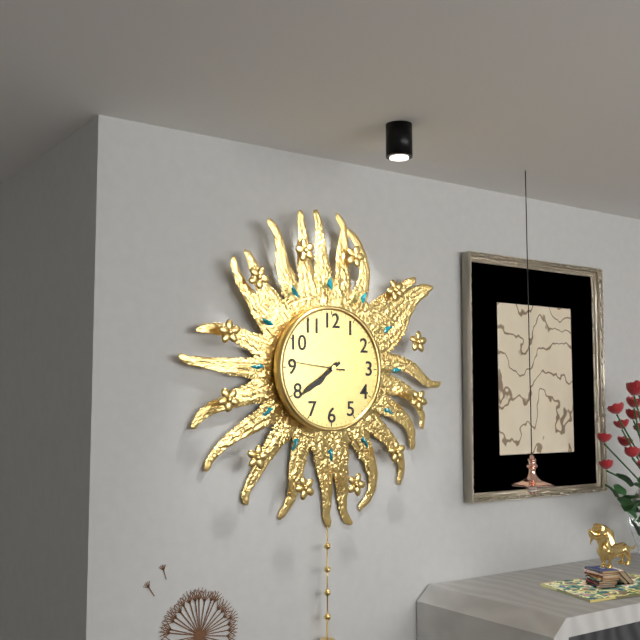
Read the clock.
7:39
